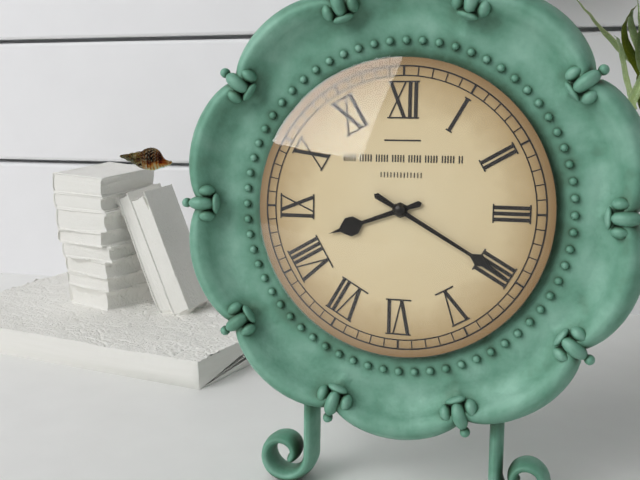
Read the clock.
8:20
